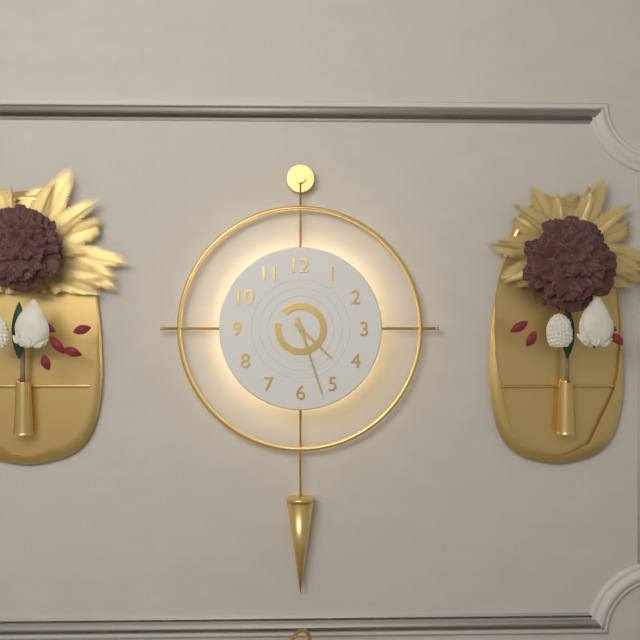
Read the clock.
4:27
